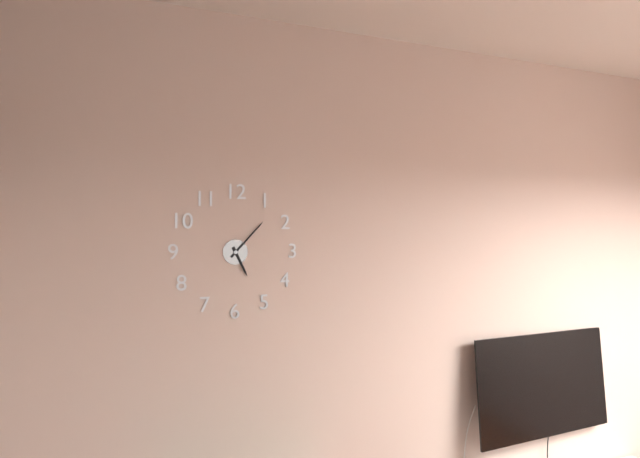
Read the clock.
5:07
